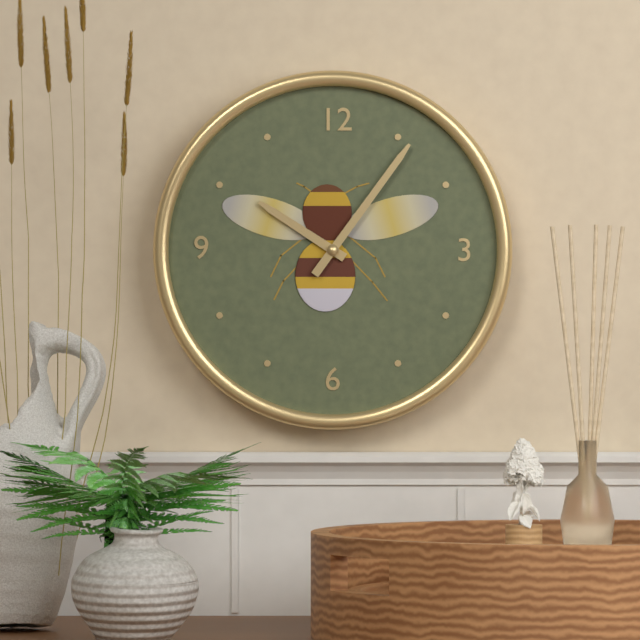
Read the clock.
10:06
